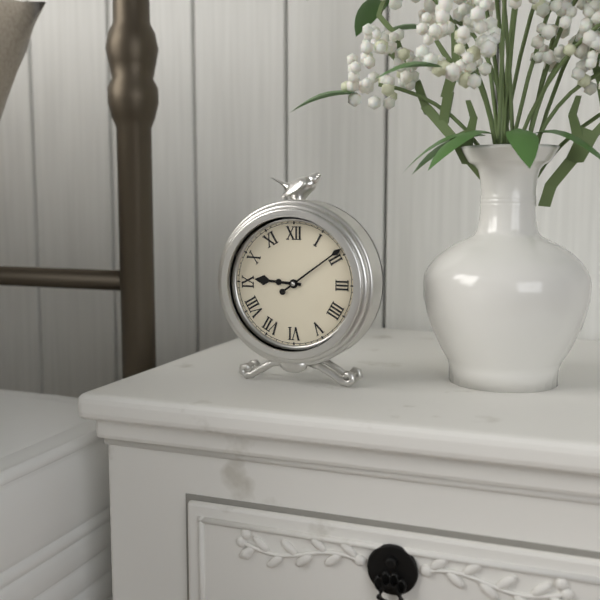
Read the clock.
9:09
